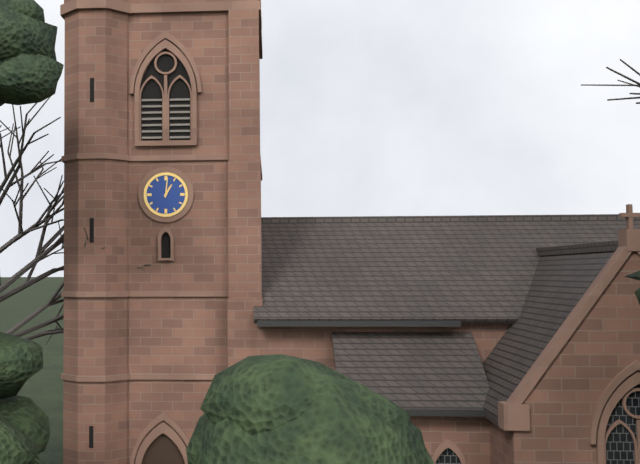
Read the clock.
1:01
